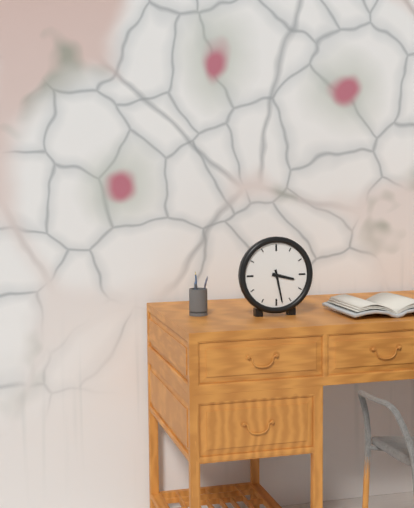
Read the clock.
3:28
